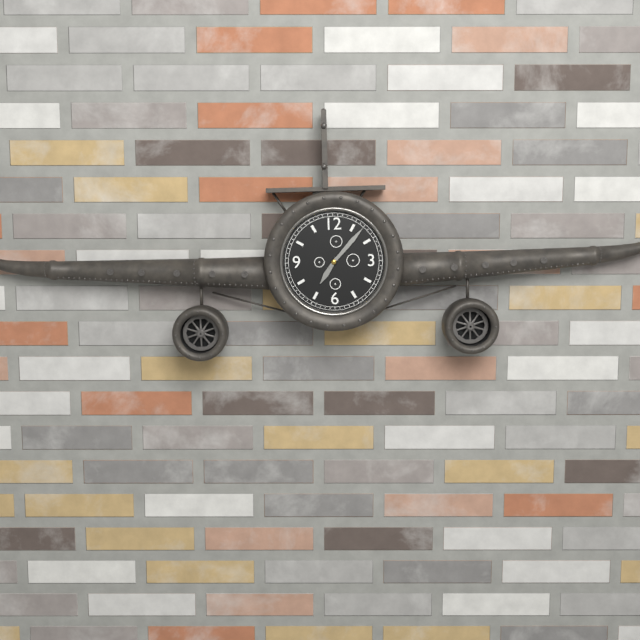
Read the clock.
7:07
